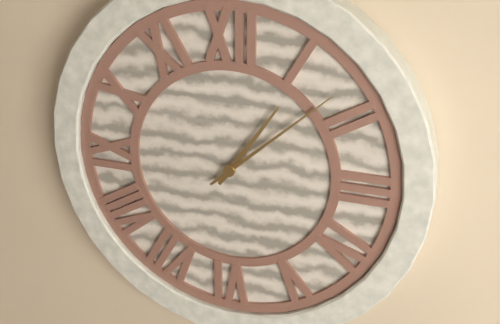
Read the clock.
1:08
